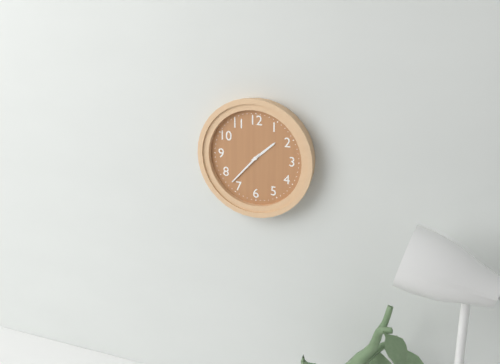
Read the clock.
1:37
